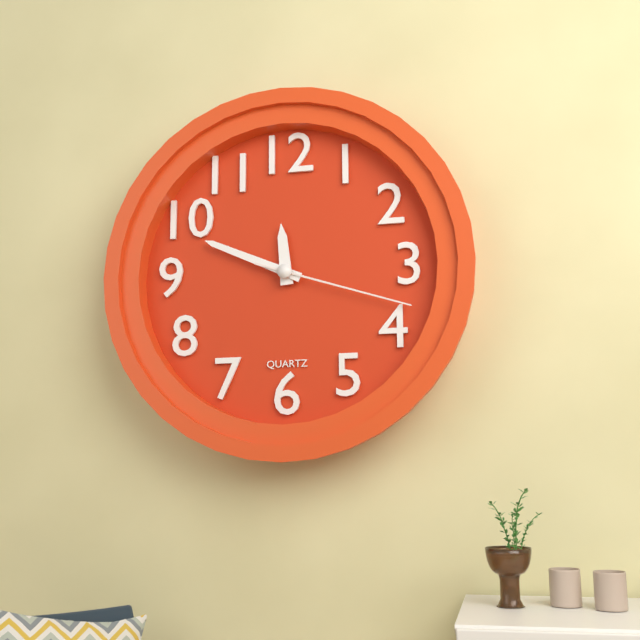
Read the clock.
11:49:18
